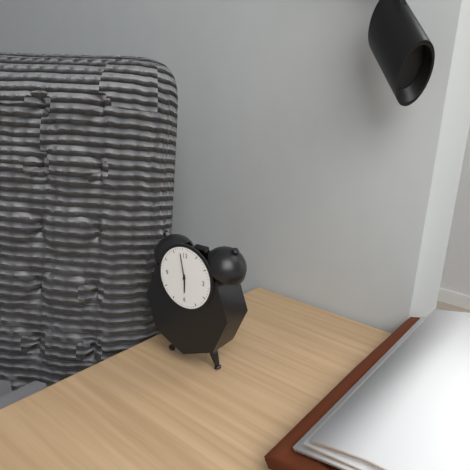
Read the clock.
5:58
